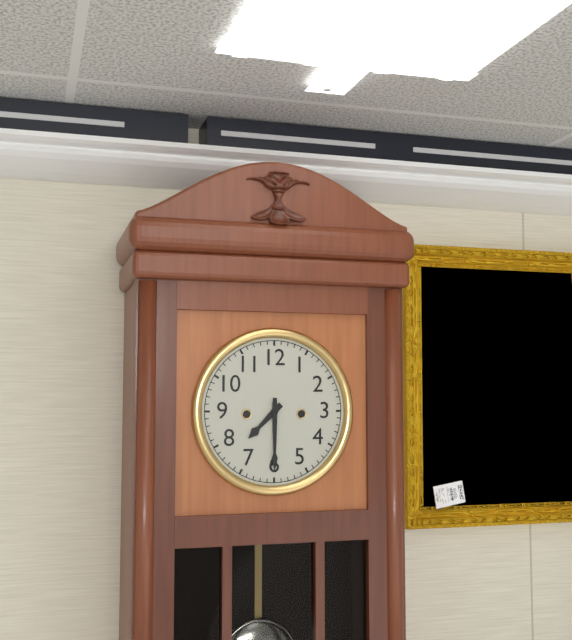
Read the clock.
7:30
